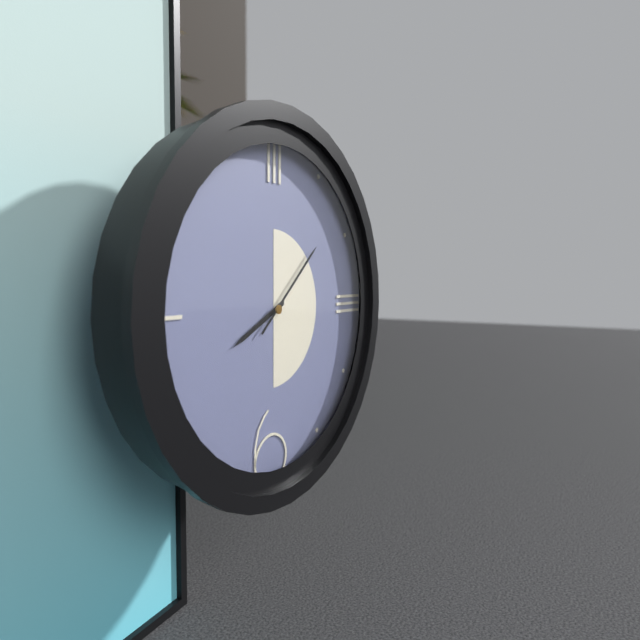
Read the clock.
8:08
